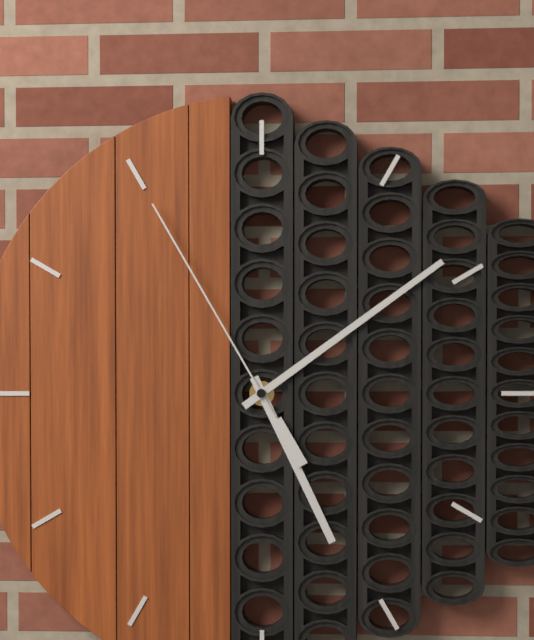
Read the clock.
5:09:55
